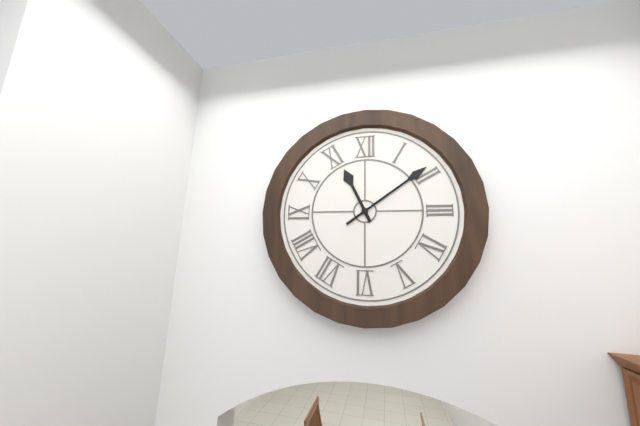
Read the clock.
11:09
